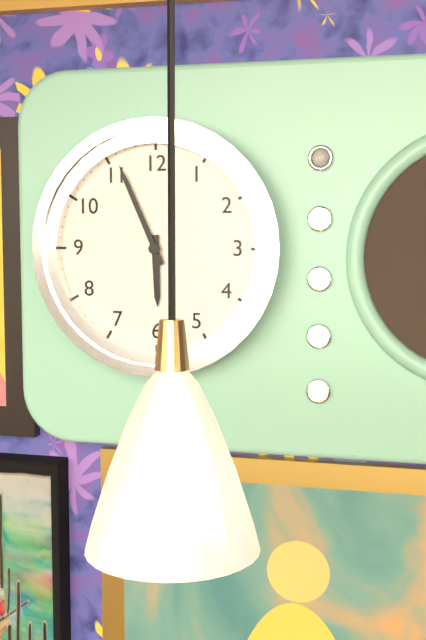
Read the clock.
5:56
